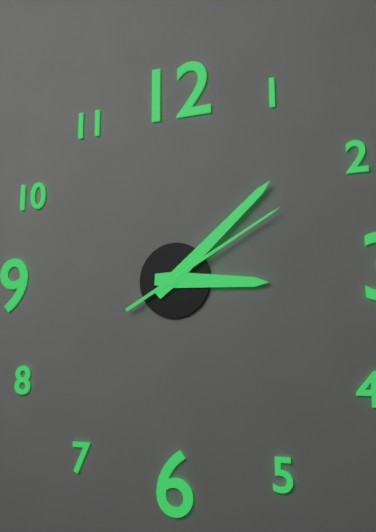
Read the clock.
3:08:10
